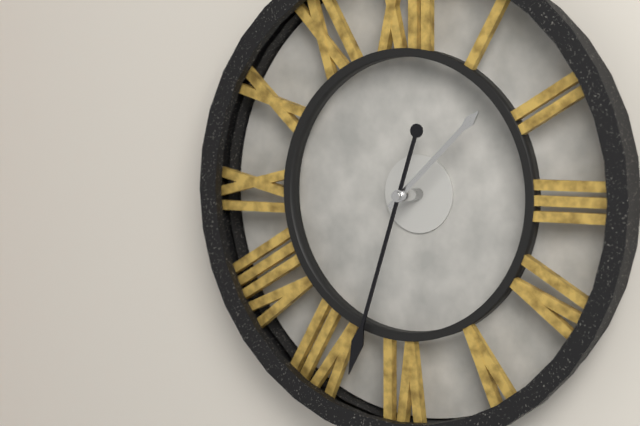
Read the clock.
1:33
